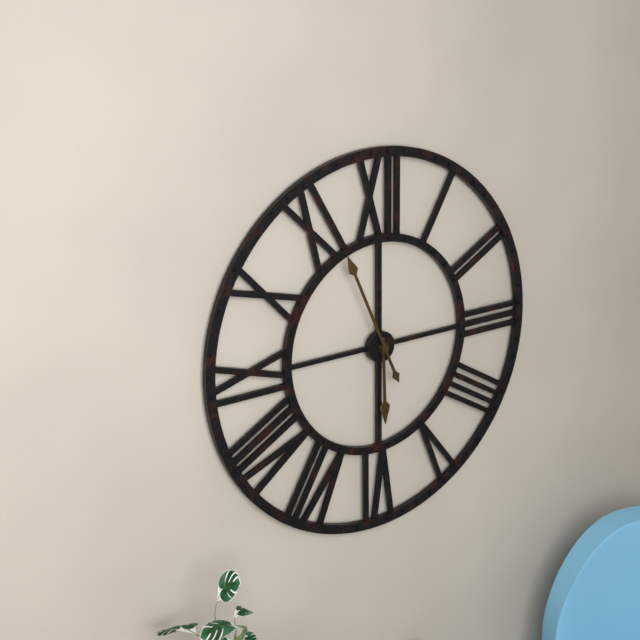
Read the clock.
5:56
